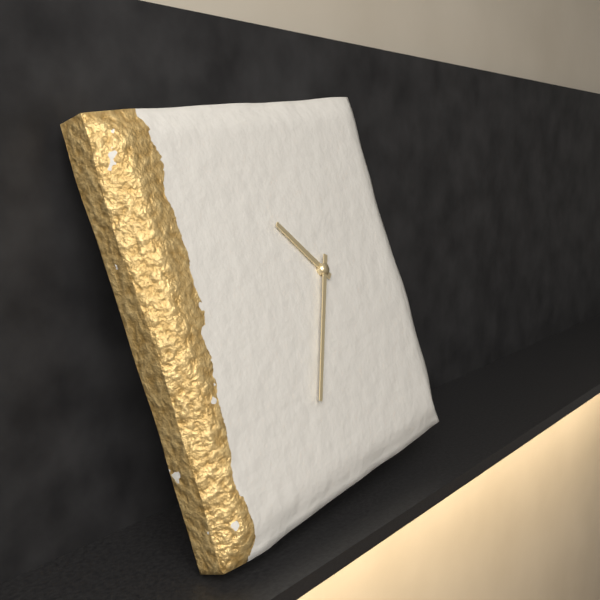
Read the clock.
10:35
